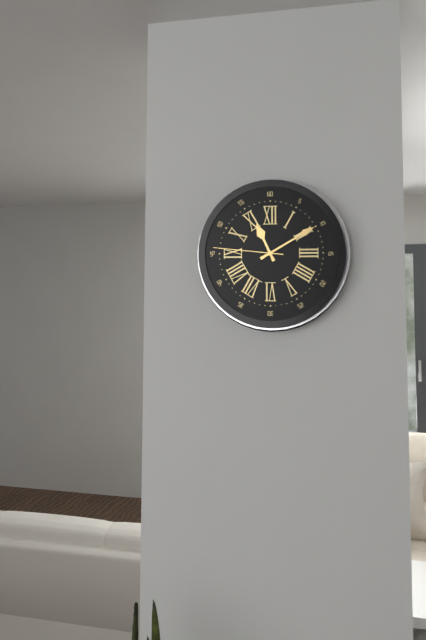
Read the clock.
11:10:46
